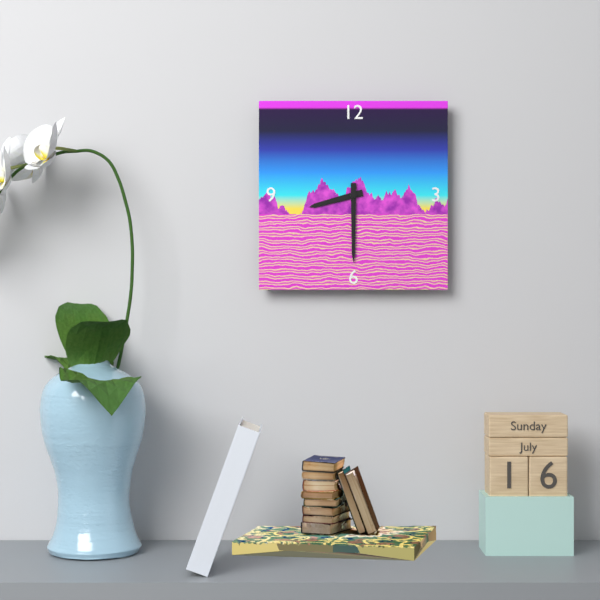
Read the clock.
8:30
